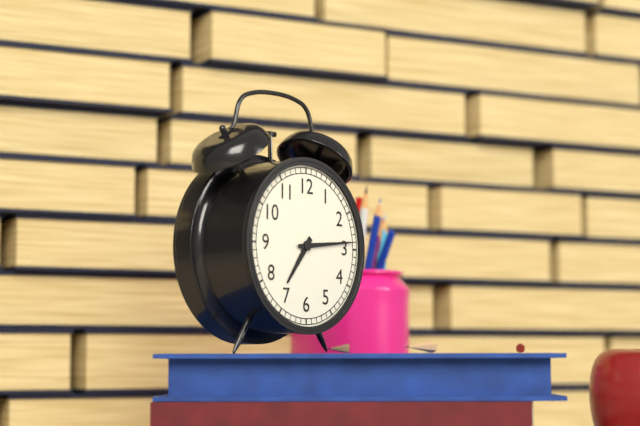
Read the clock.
7:14
